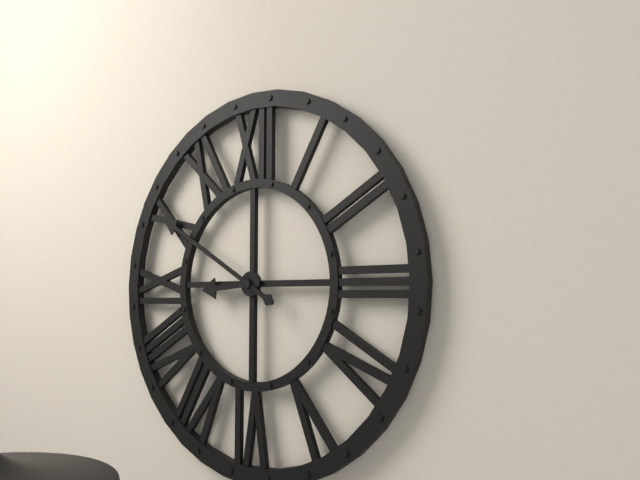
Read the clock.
8:50
